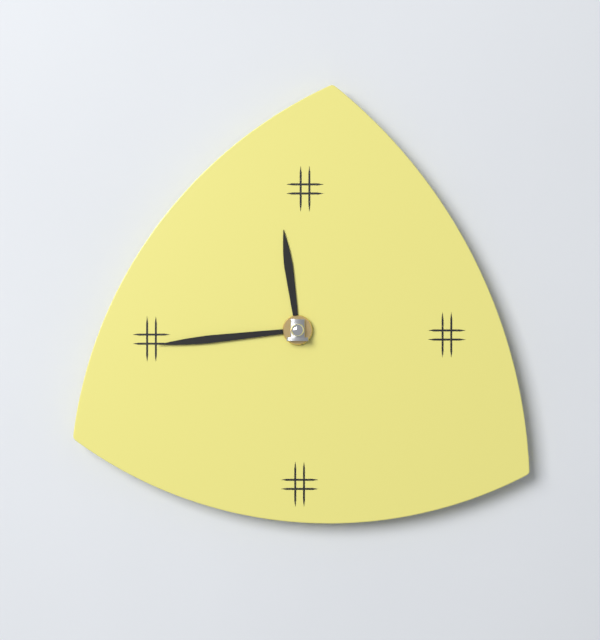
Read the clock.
11:44
